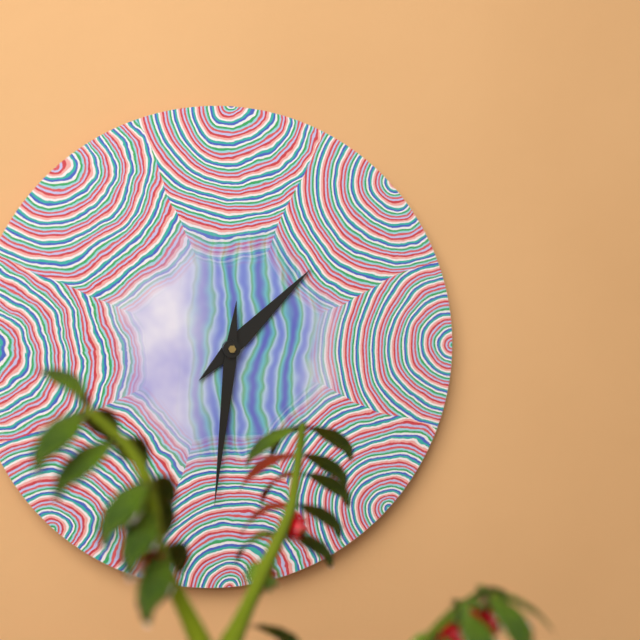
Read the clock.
1:31
